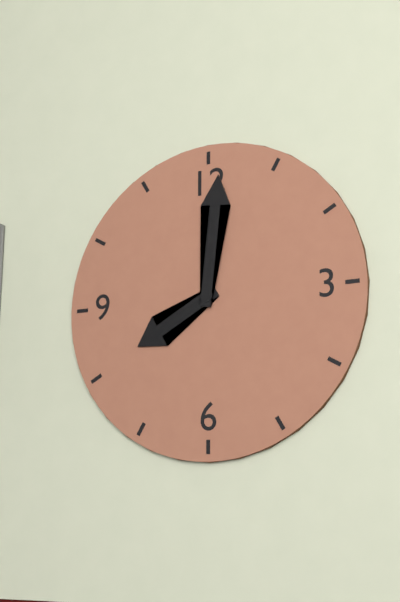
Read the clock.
8:01
